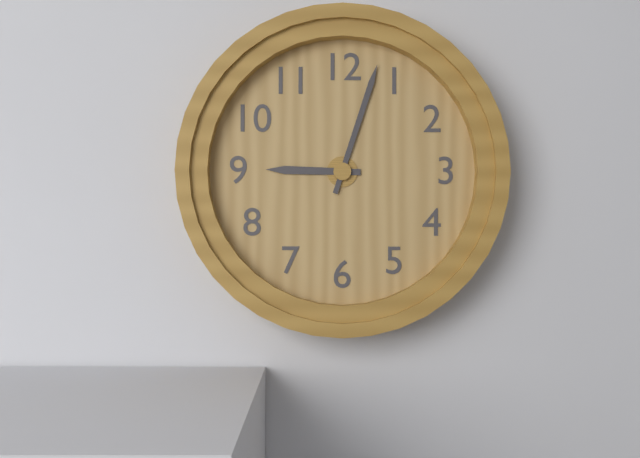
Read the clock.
9:03
